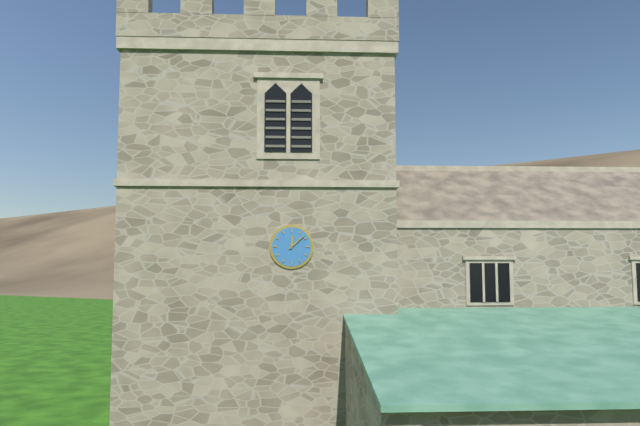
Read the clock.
12:08
